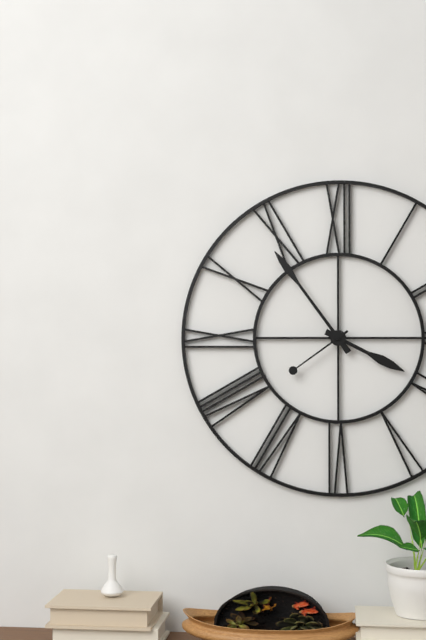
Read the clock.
3:54:39
